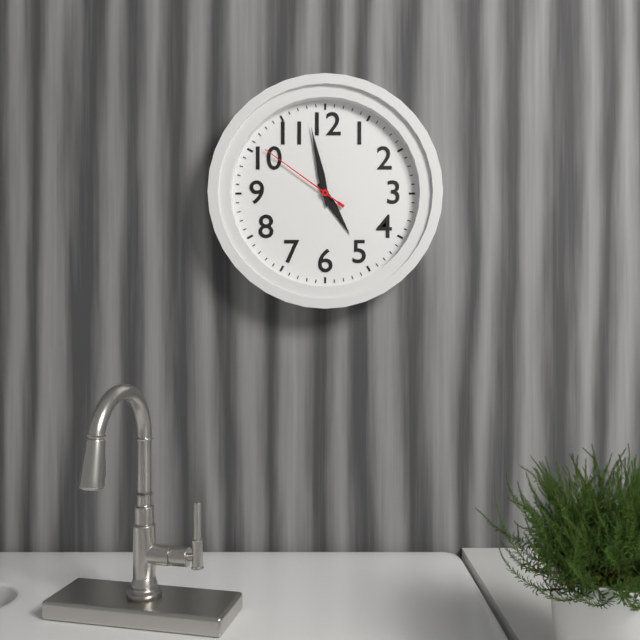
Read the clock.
4:58:51
